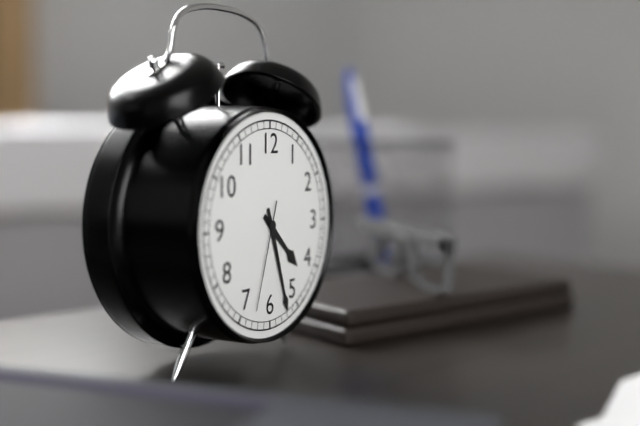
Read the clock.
4:27:33
